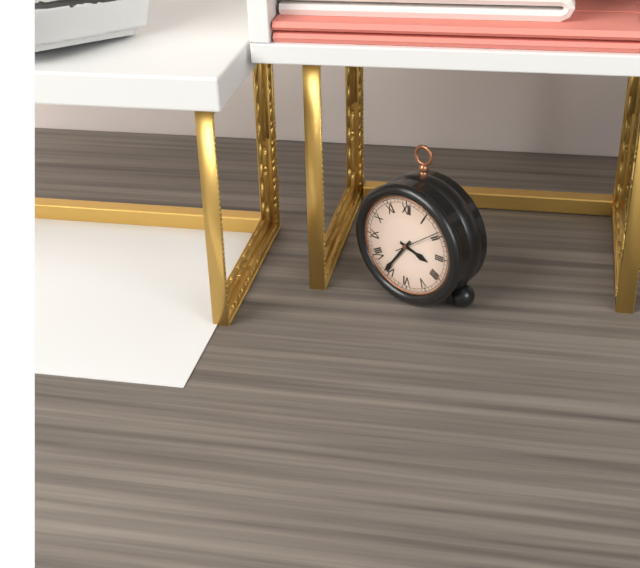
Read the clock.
3:36
